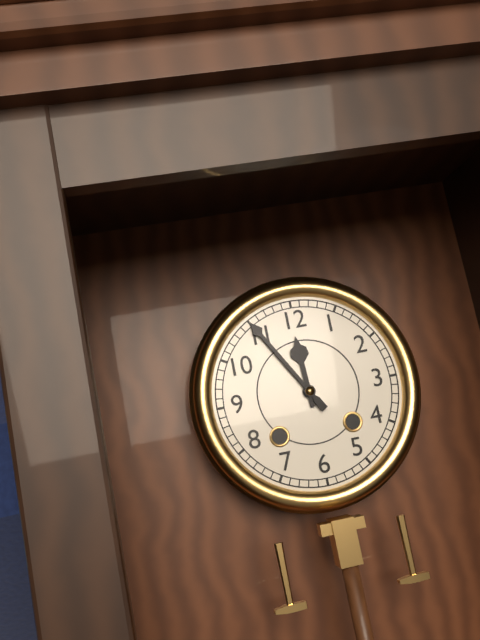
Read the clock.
11:55
